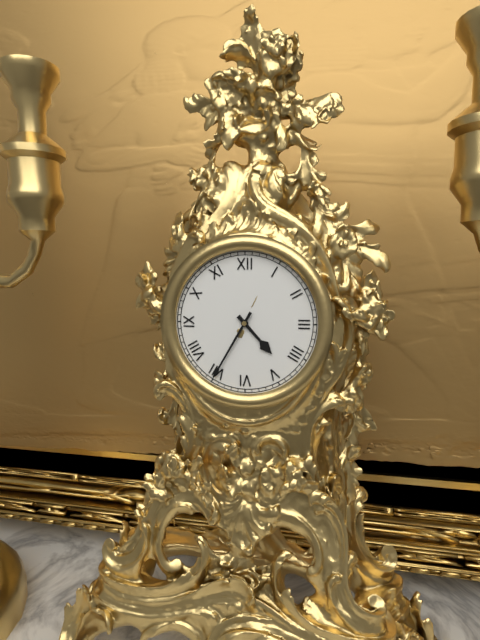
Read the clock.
4:35
